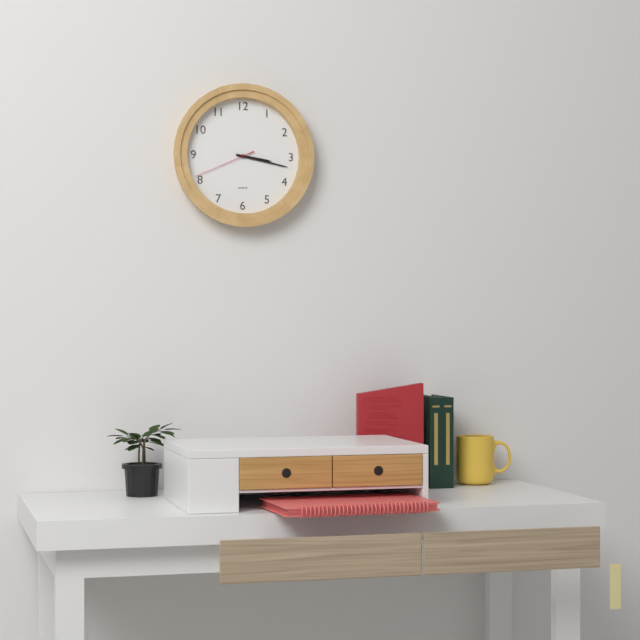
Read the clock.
3:17:41
